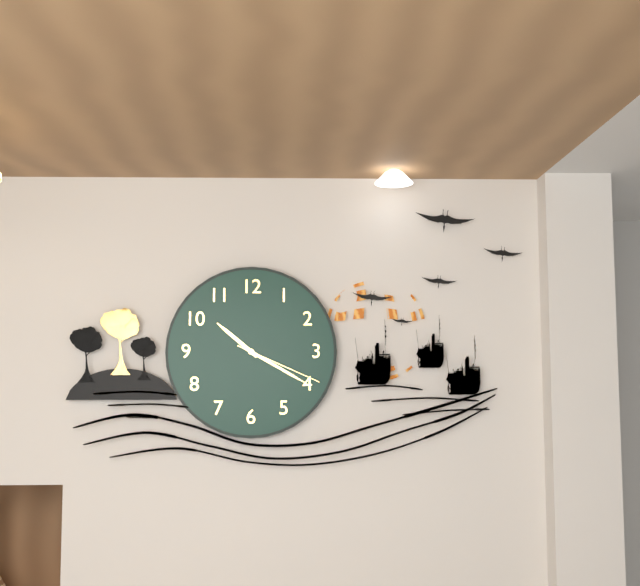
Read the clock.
10:20:19
